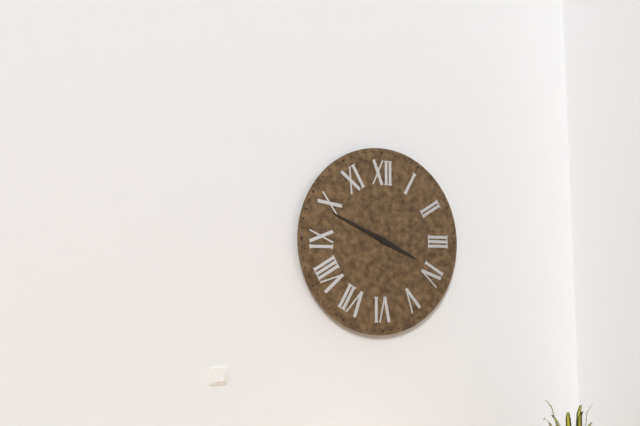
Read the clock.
3:49
